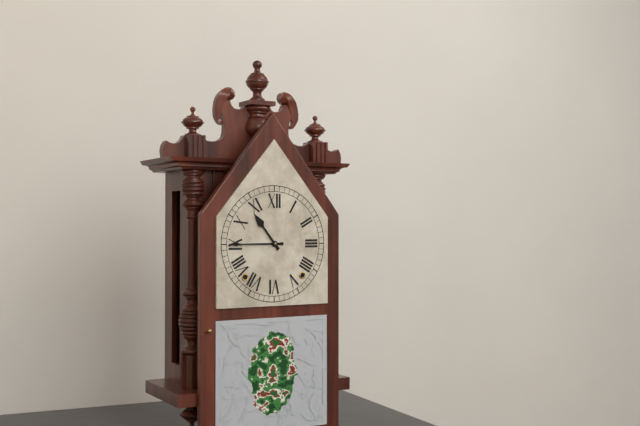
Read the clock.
10:45
